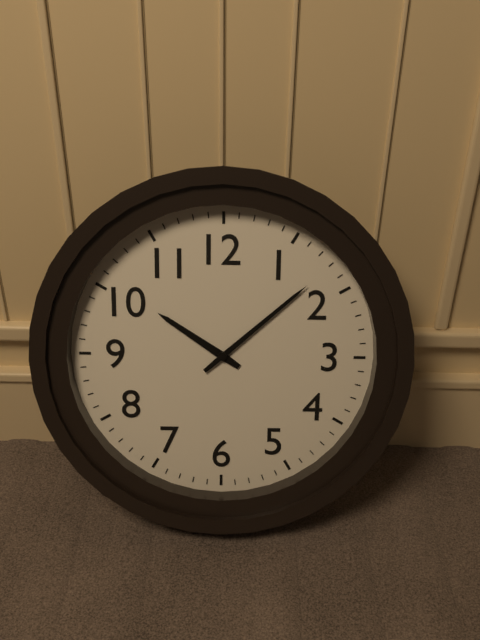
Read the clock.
10:08
